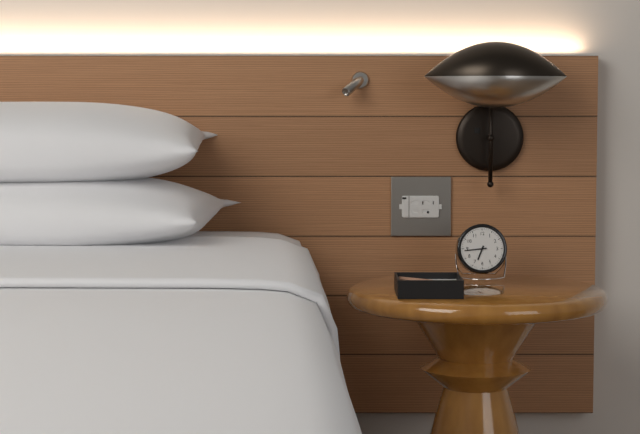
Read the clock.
6:44
